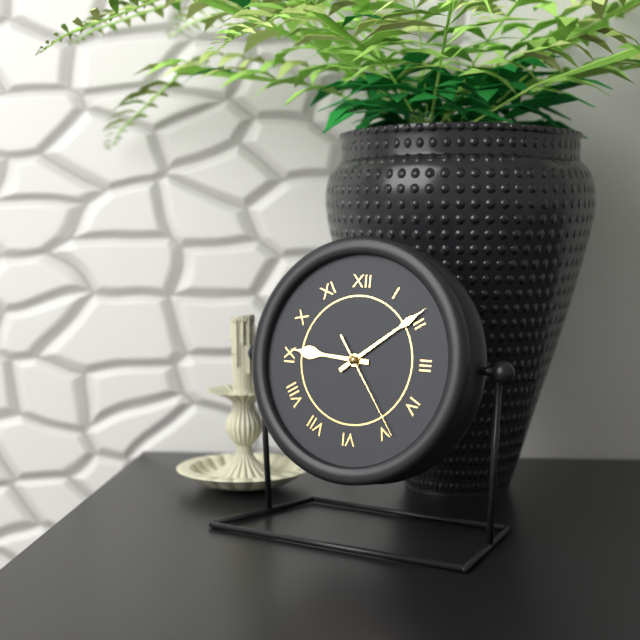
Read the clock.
9:09:24
